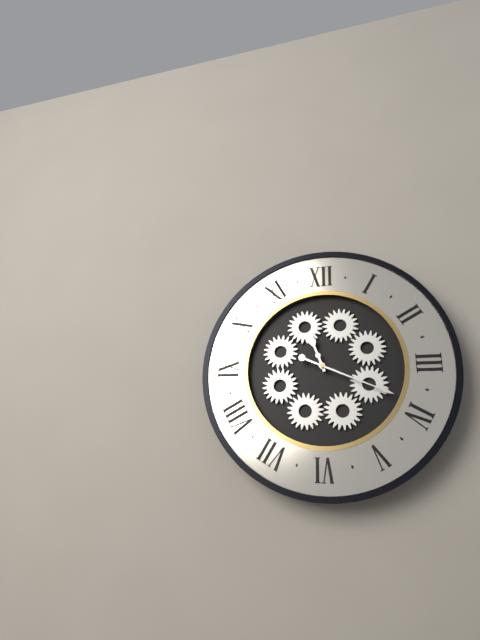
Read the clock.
11:19
